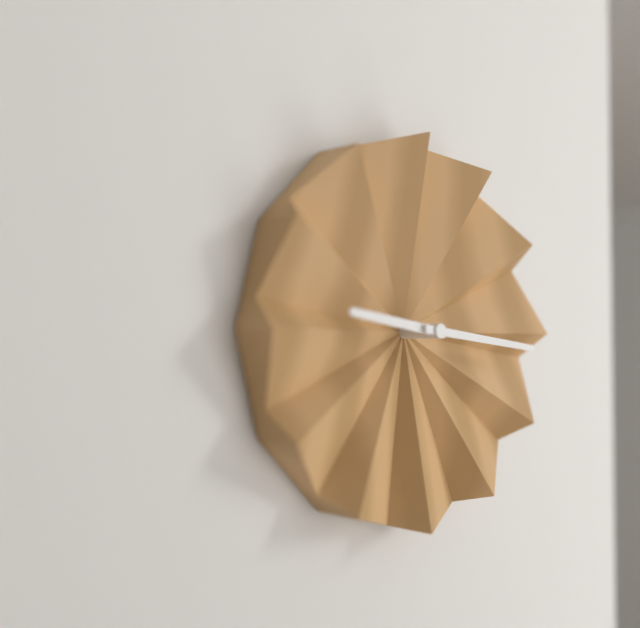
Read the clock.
9:16
